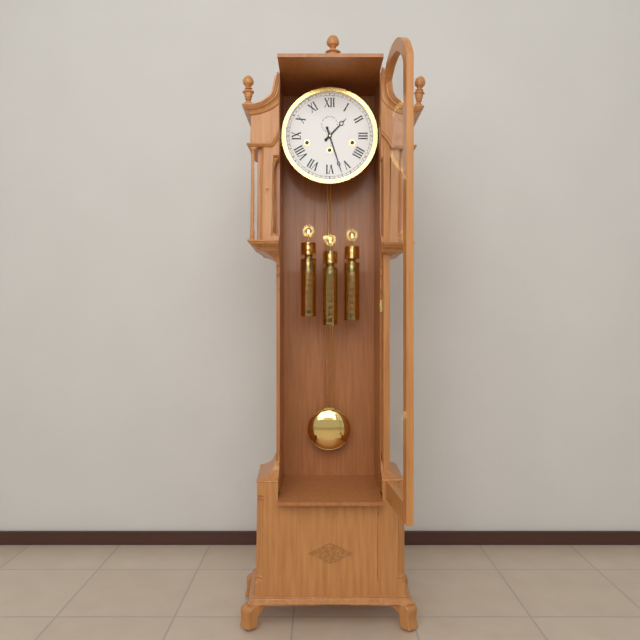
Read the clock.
1:27
